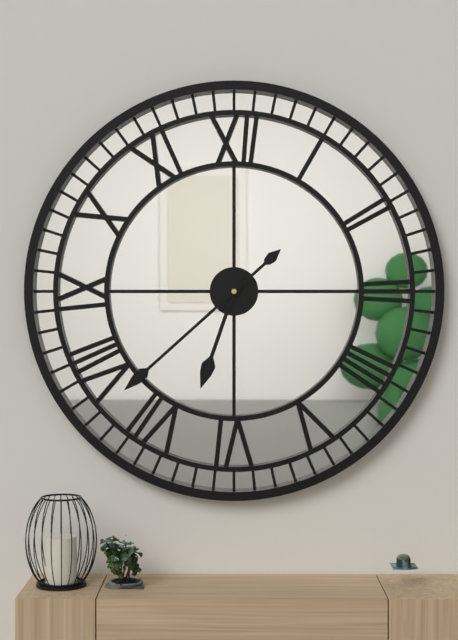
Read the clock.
6:38
